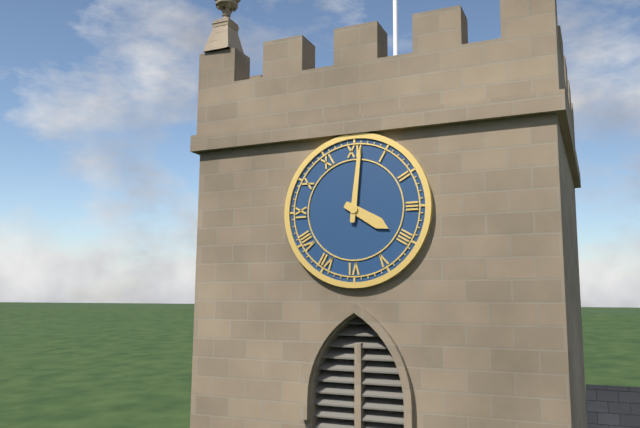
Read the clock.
4:01
